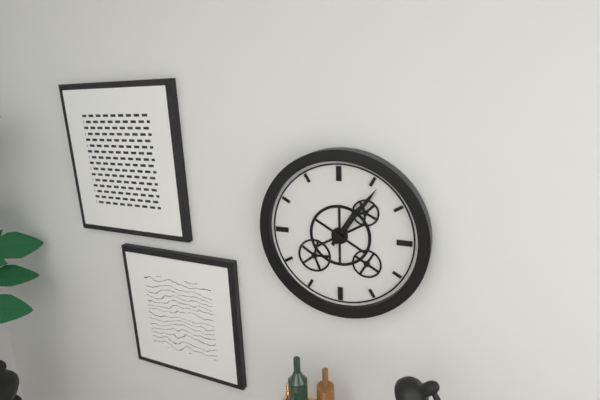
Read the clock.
1:06
